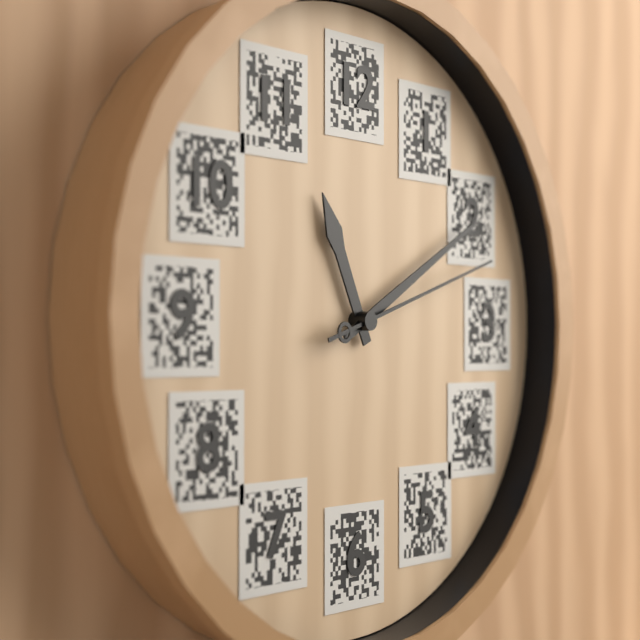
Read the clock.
11:10:12
